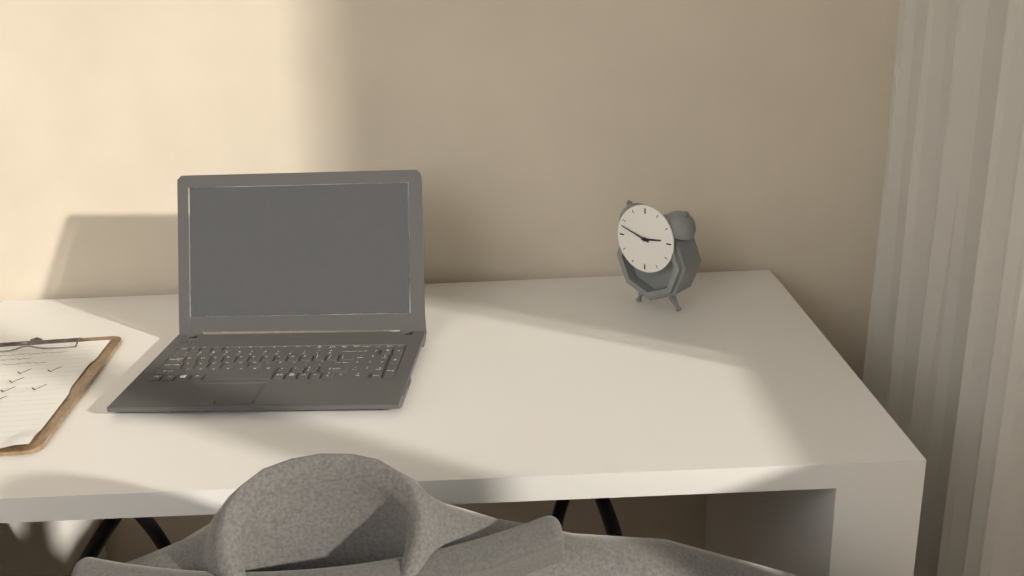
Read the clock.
2:48
